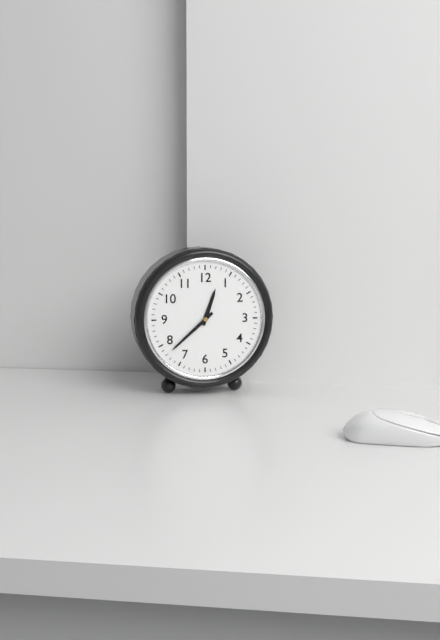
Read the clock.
12:38
